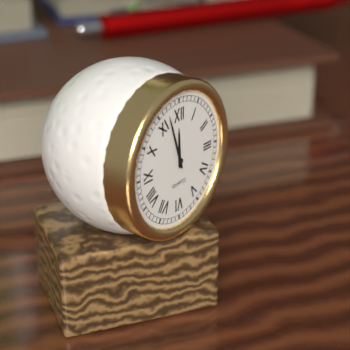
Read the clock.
11:57
